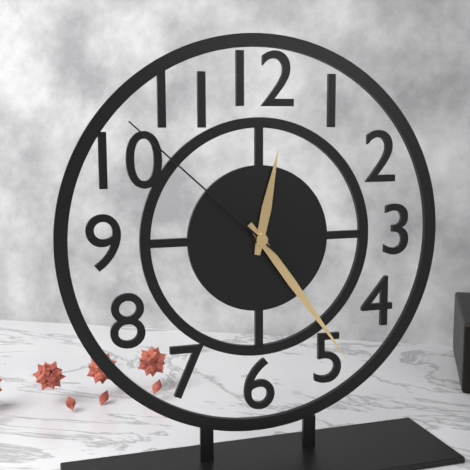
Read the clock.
12:24:52
